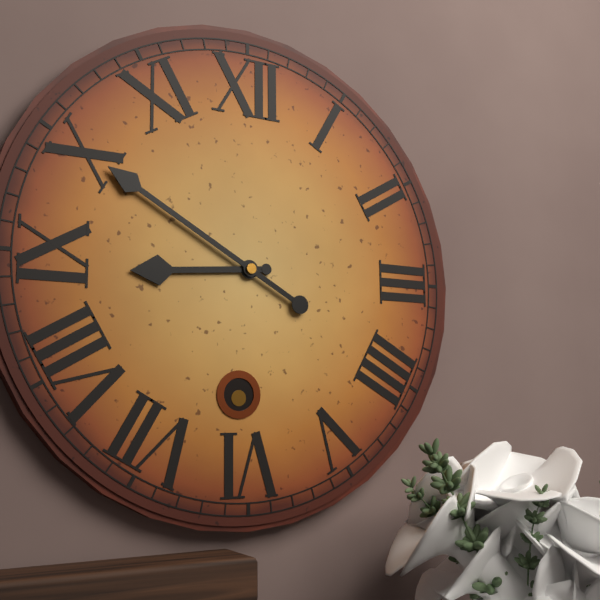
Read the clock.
8:50
